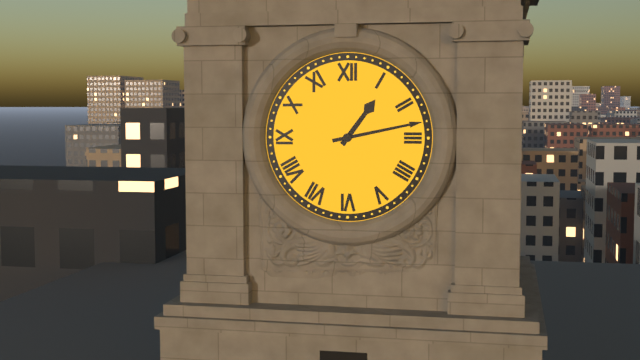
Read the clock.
1:13
